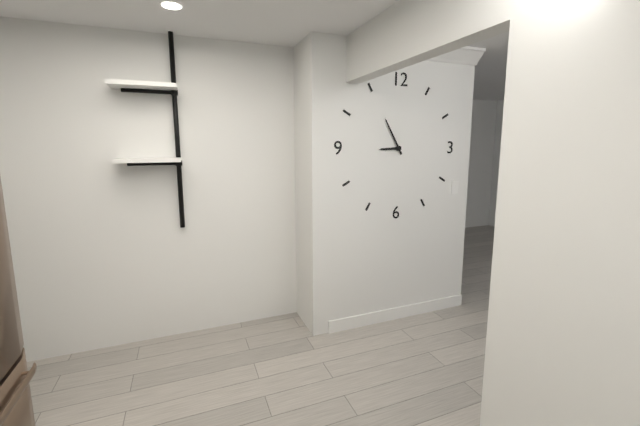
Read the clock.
8:55
